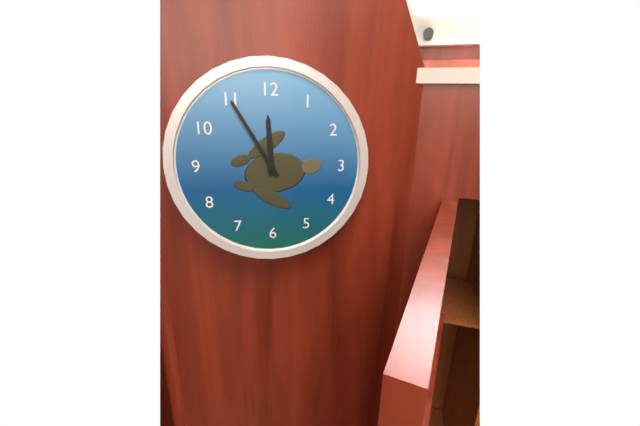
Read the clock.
11:55
